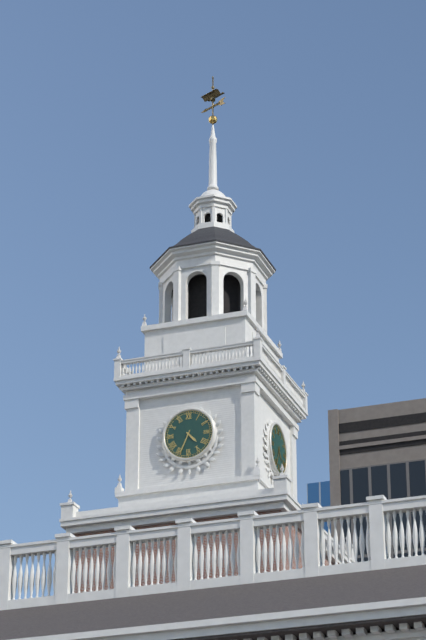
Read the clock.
4:34
